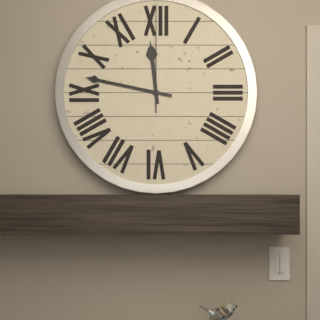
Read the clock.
11:47:00
